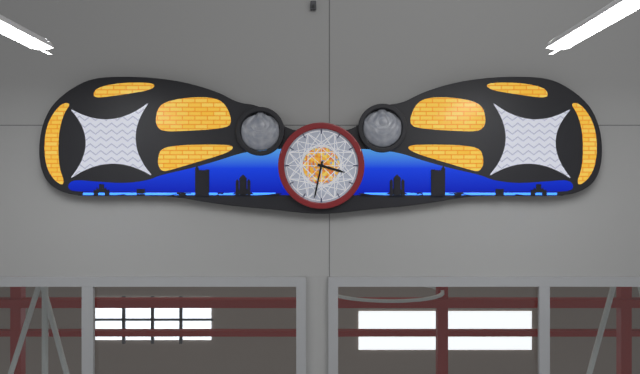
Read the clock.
3:32
